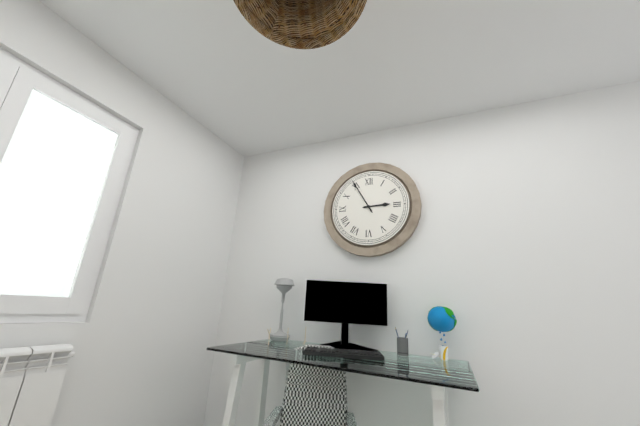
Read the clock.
2:55
